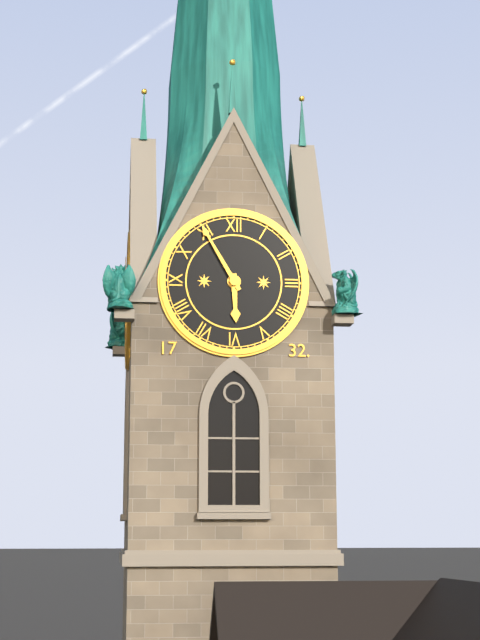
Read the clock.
5:55
